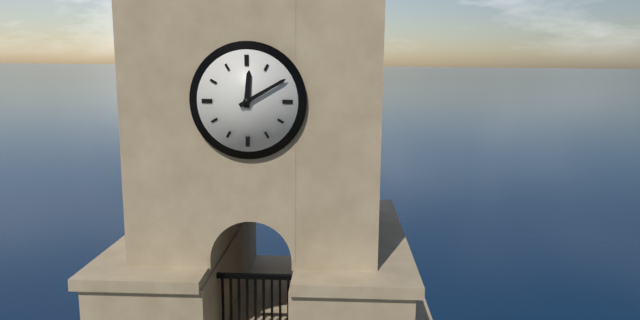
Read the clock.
12:10
